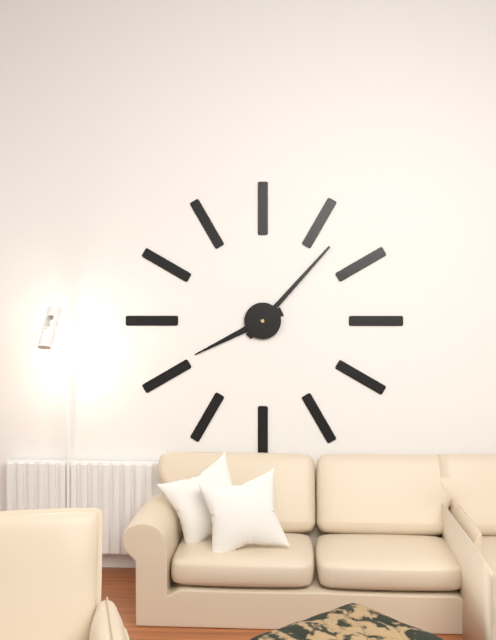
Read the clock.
8:07
